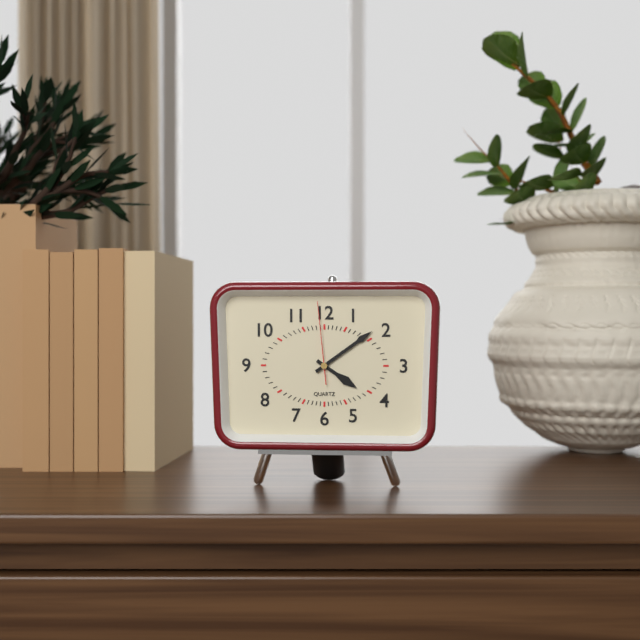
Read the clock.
4:09:59
